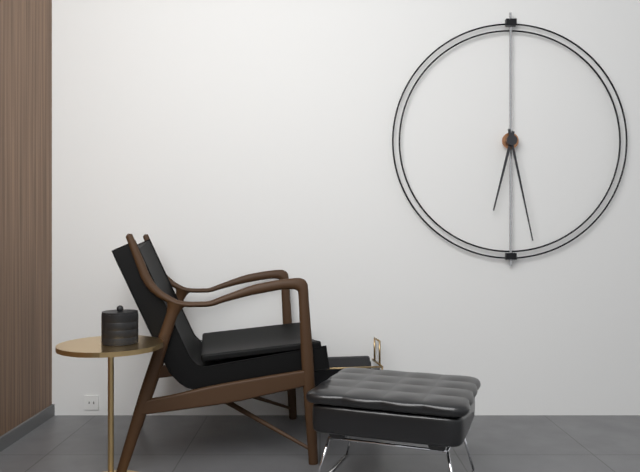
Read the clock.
6:28
